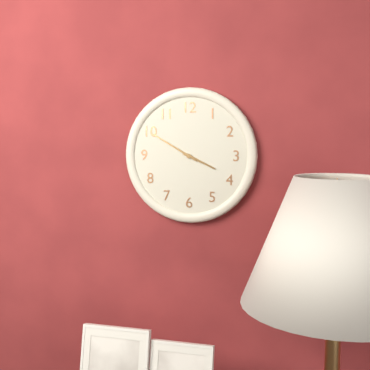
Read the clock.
3:50
